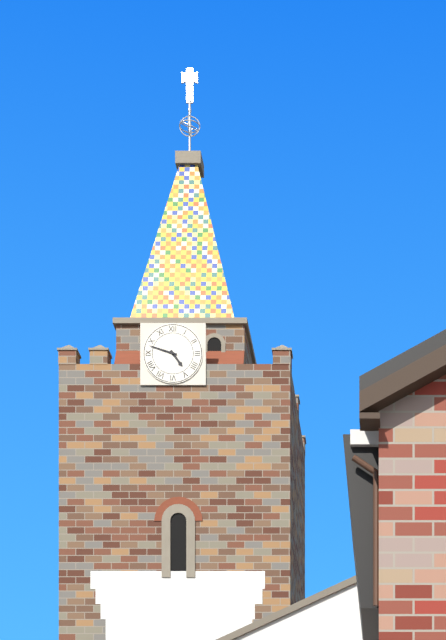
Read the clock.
4:48
